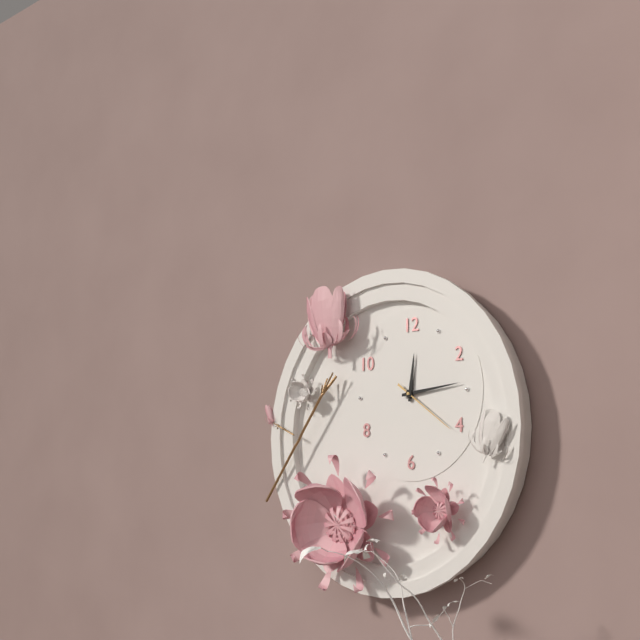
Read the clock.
12:14:21
